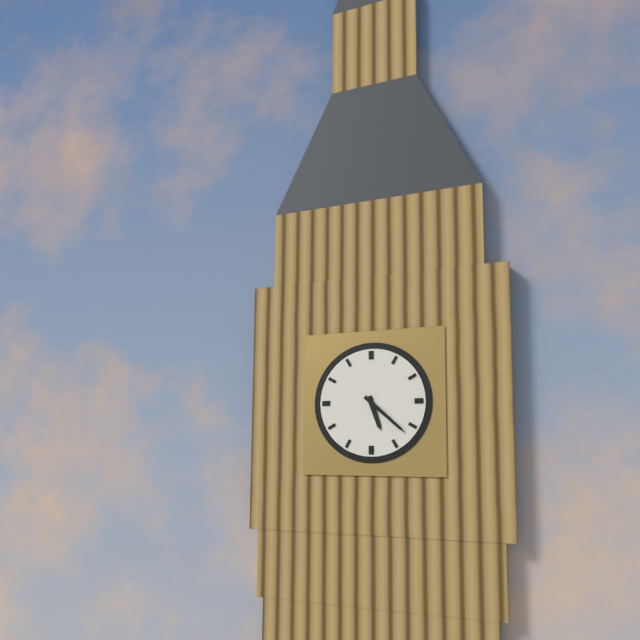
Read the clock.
5:22
